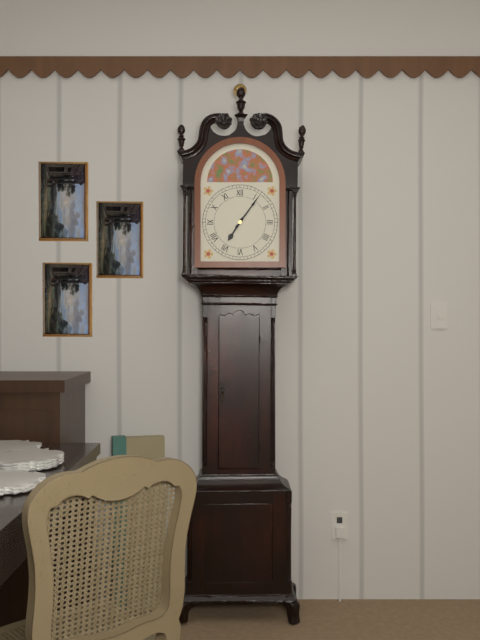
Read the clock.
7:06
